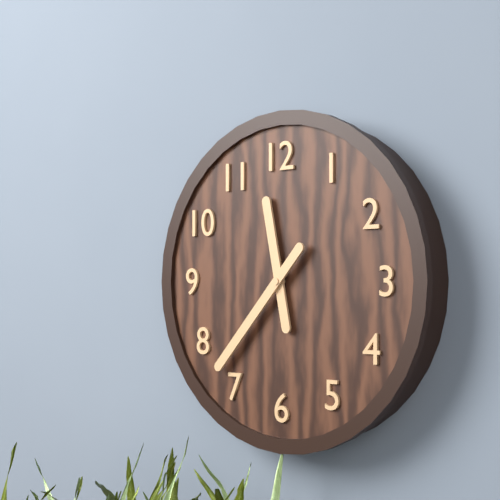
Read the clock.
11:37
